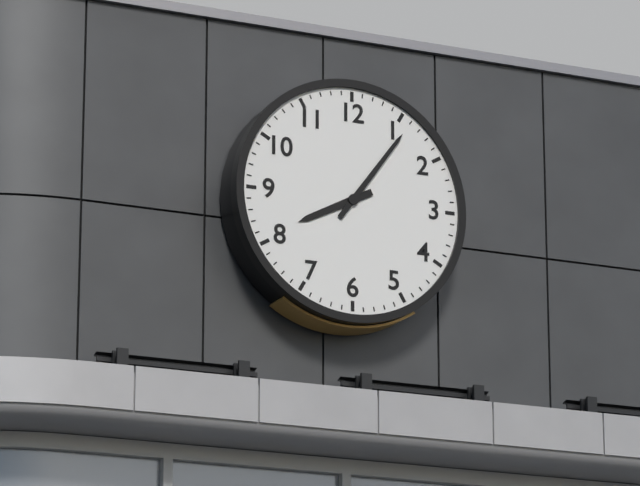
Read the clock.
8:06
